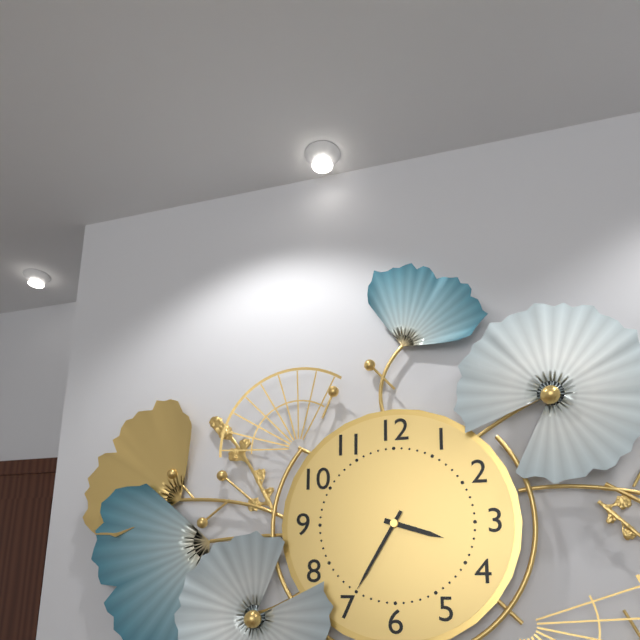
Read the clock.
3:35
